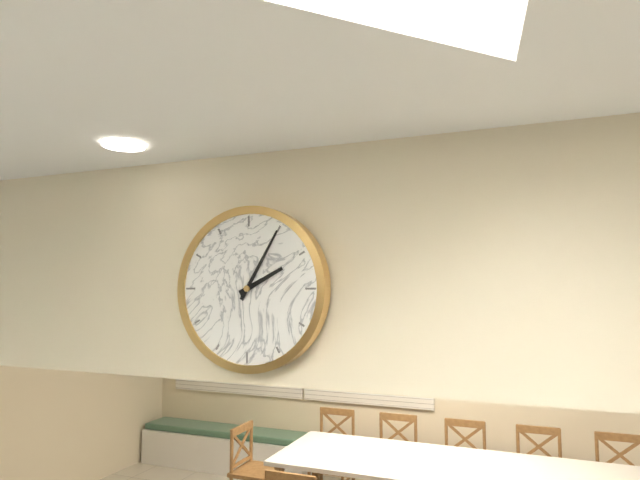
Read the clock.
2:05
